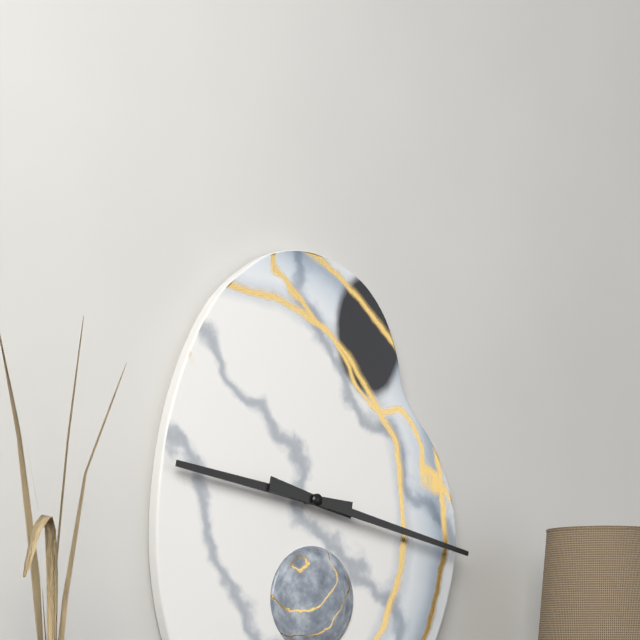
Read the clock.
9:17
